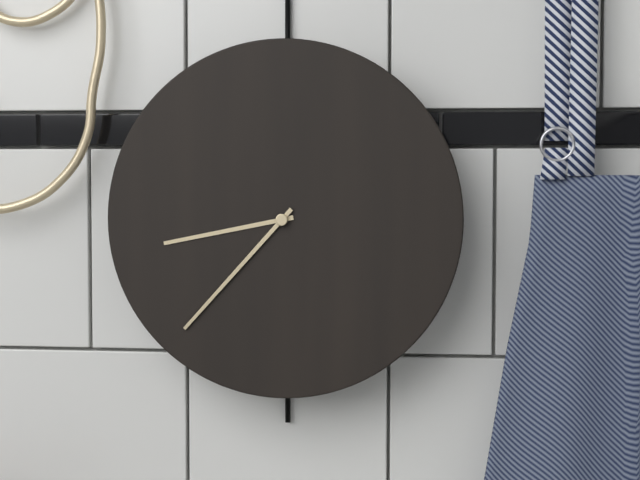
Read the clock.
8:37
